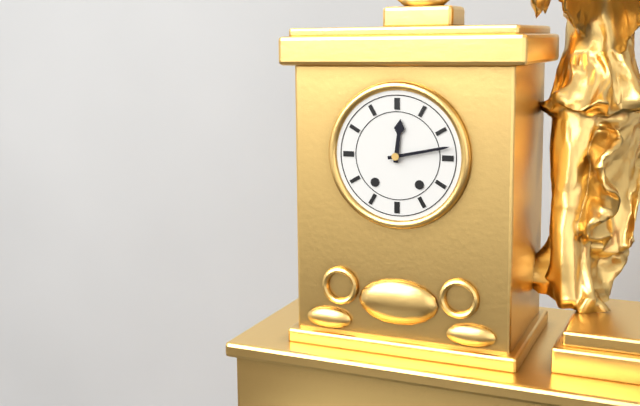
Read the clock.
12:13
